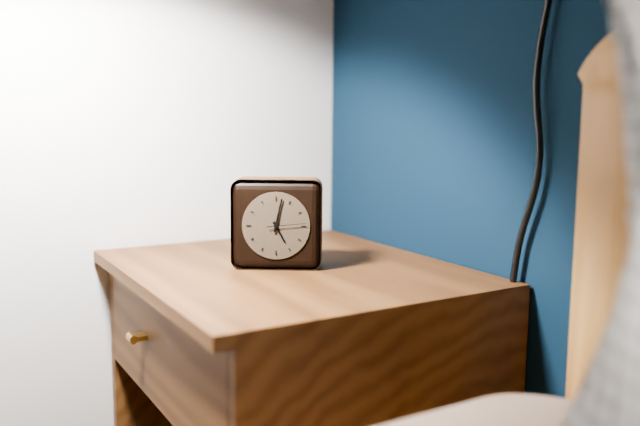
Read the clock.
5:02
